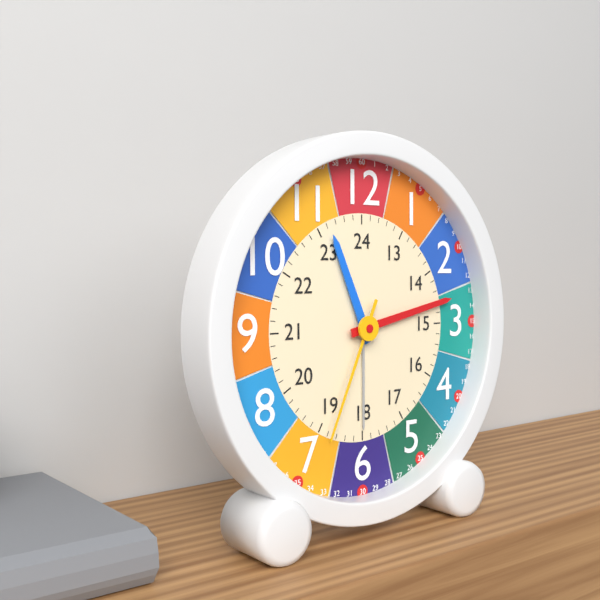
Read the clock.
11:13:34
